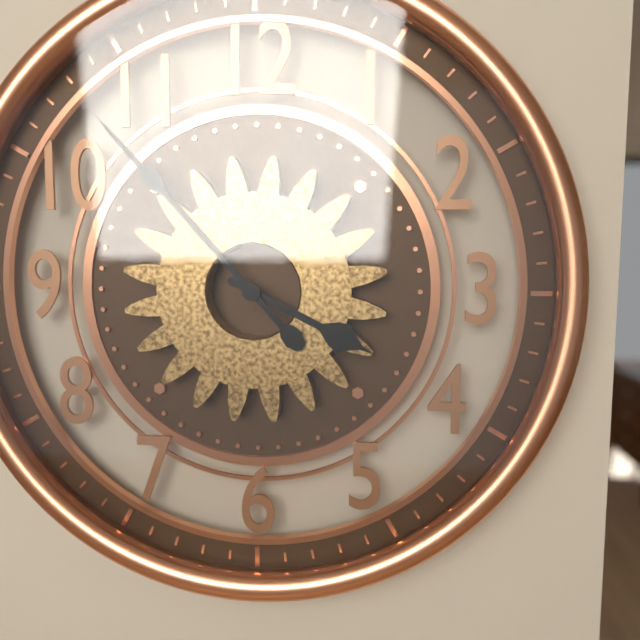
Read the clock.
3:53
